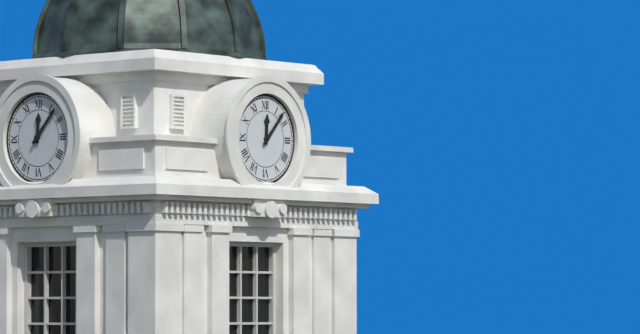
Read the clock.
12:07
